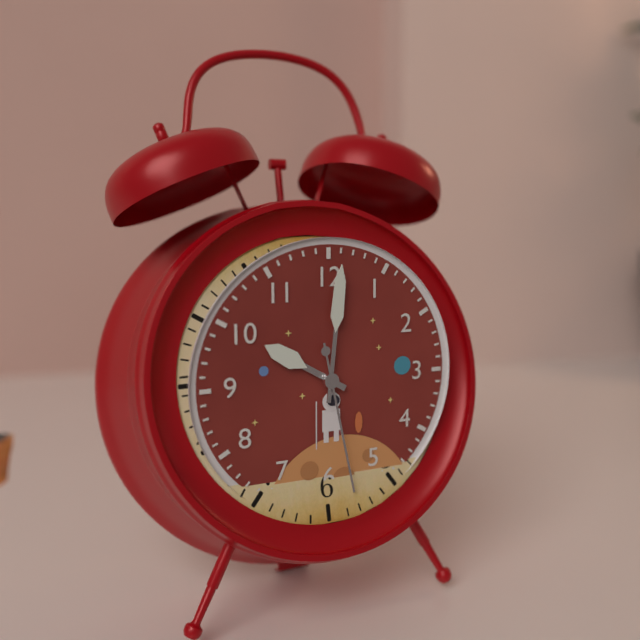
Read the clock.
10:01:28
